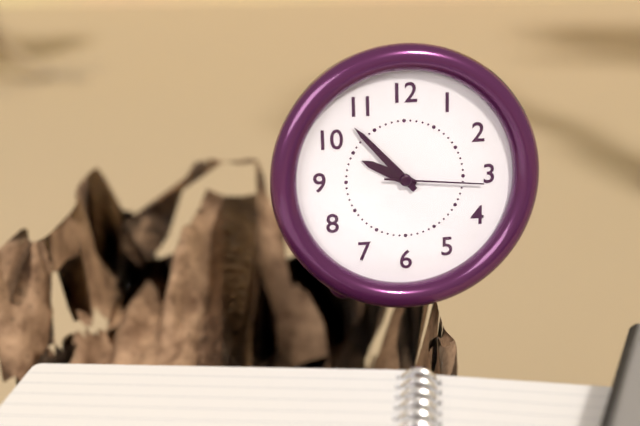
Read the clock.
9:53:16
